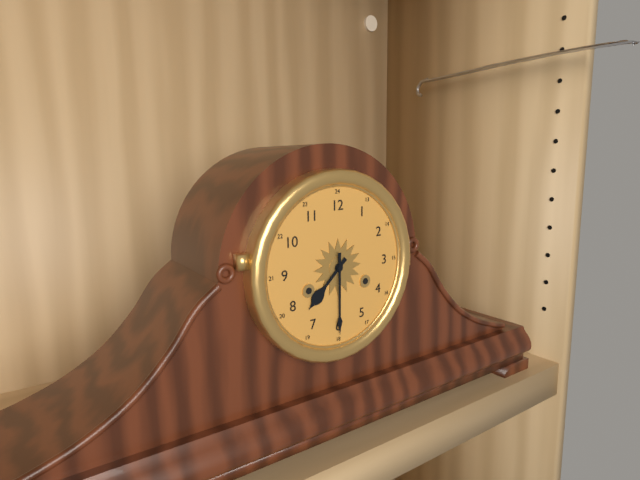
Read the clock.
7:30
